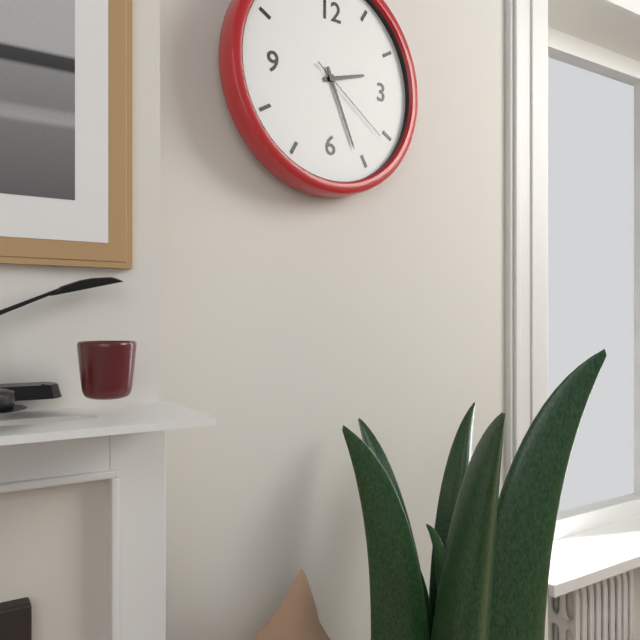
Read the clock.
2:26:21
